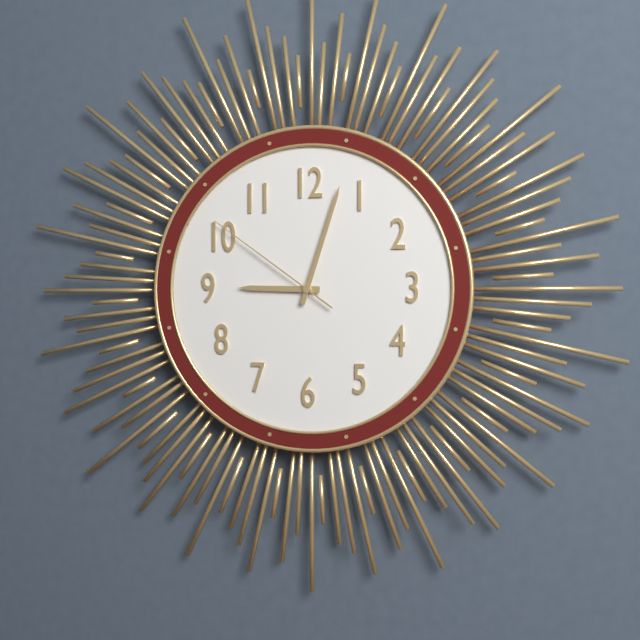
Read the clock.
9:03:51
